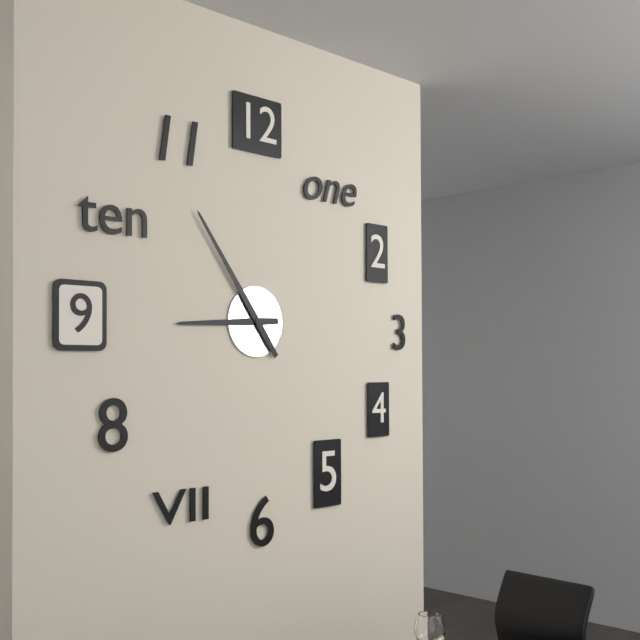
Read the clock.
8:54
